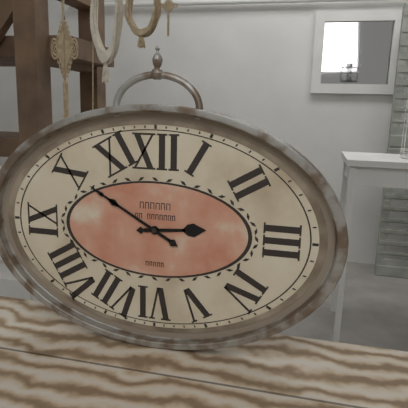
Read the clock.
2:50
